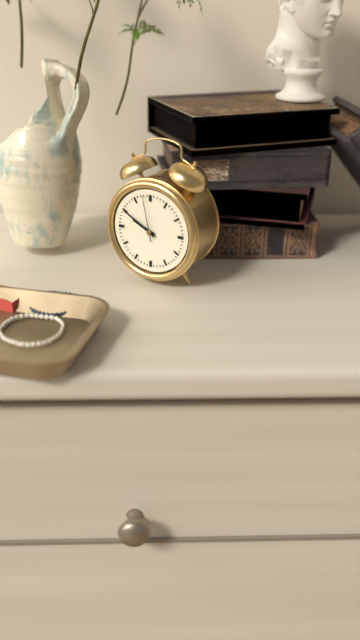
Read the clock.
9:50
